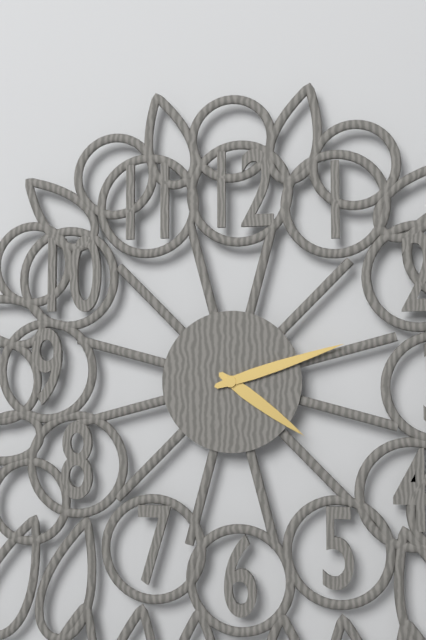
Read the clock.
4:12
